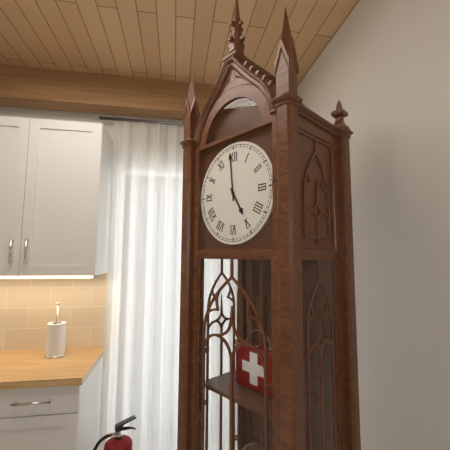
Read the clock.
4:59
